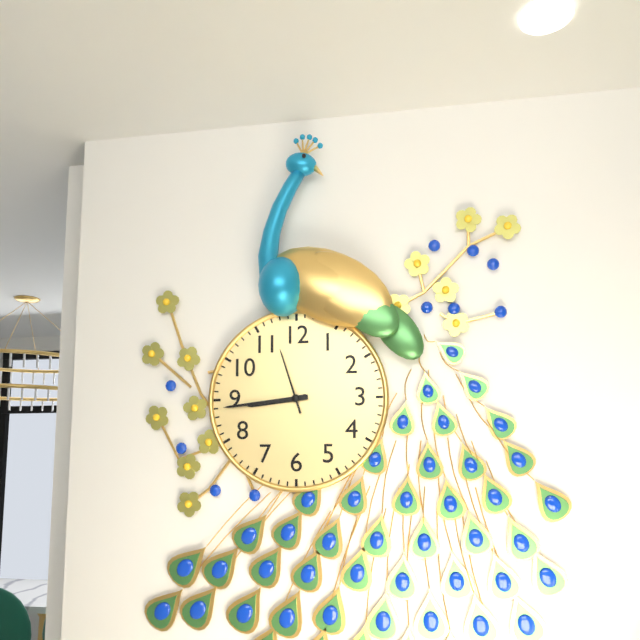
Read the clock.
8:44:57
